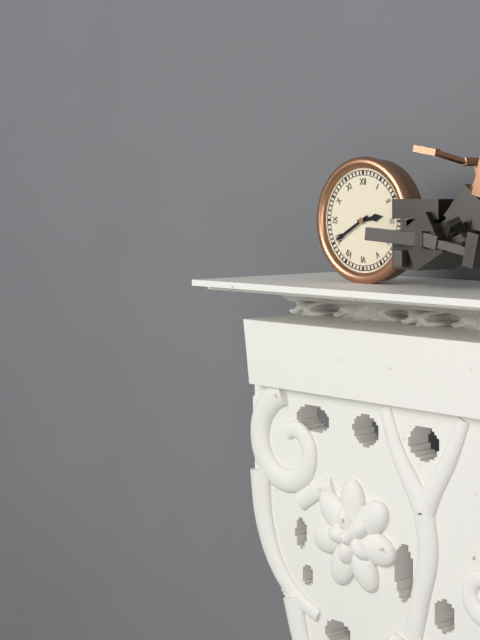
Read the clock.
2:40
